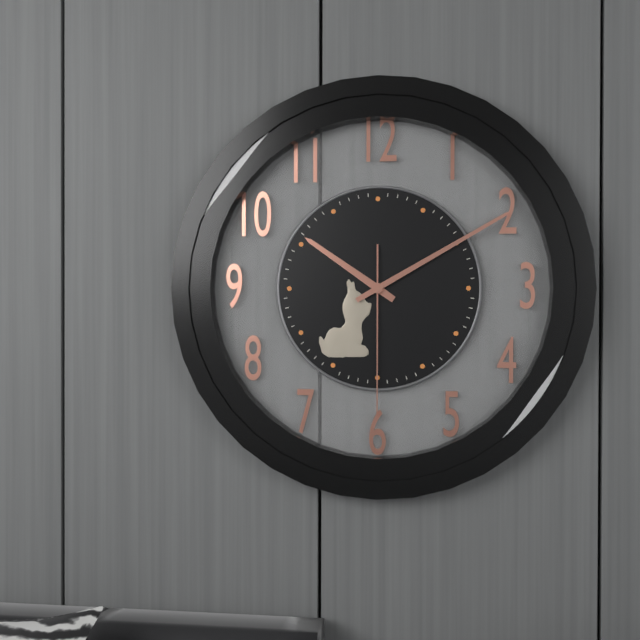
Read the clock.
10:10:30
